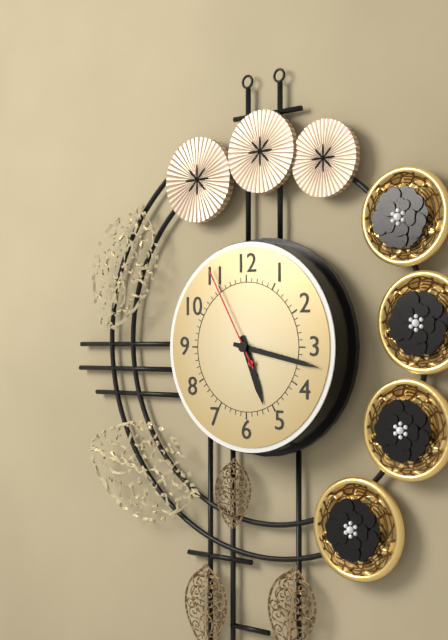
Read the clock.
5:17:55
